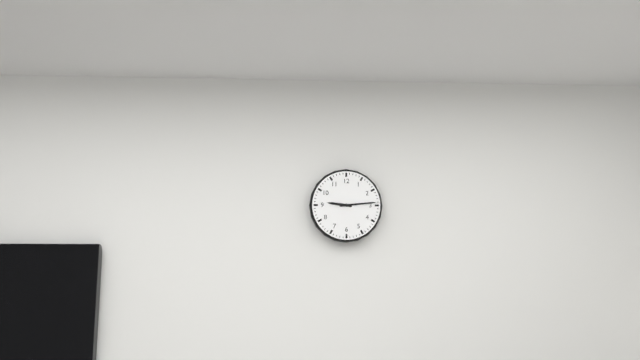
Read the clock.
9:14
